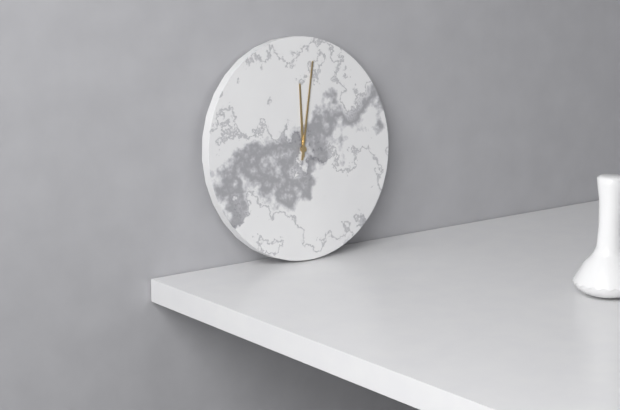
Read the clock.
12:02
